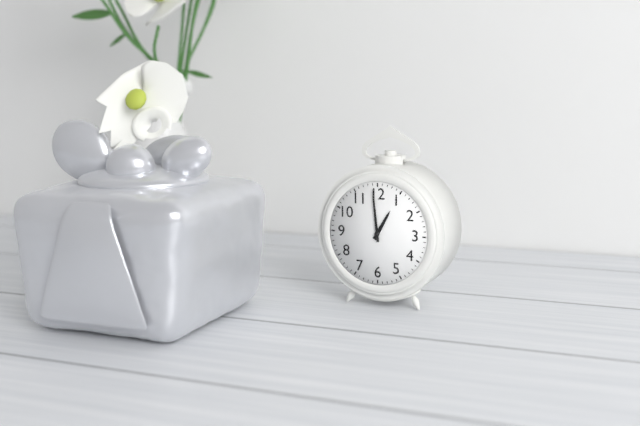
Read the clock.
12:59
